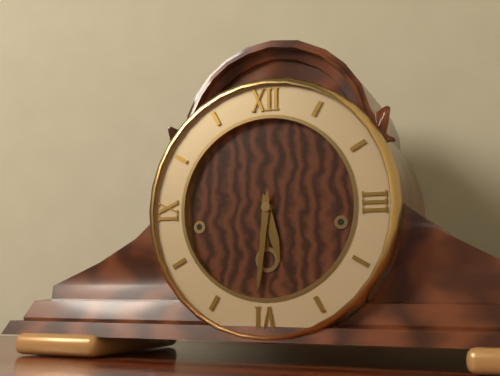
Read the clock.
5:31
